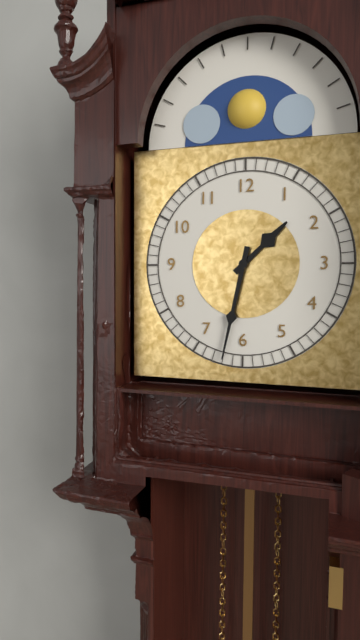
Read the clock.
1:32
